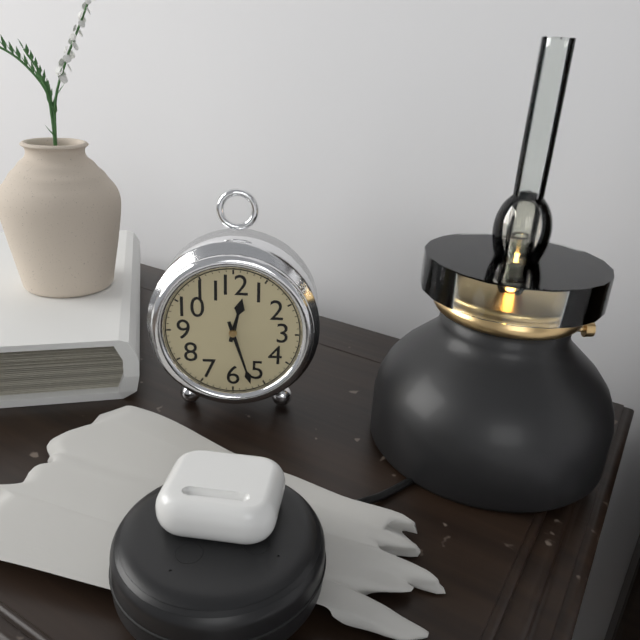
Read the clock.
12:27
